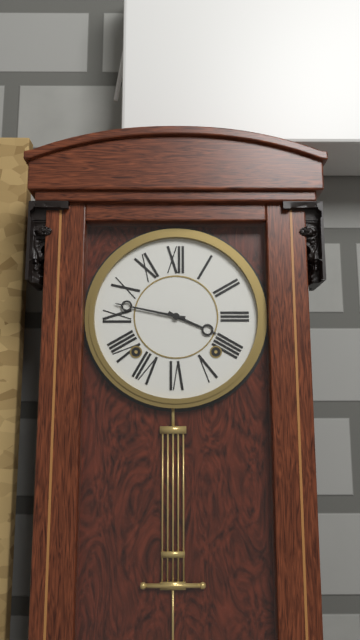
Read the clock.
3:47
